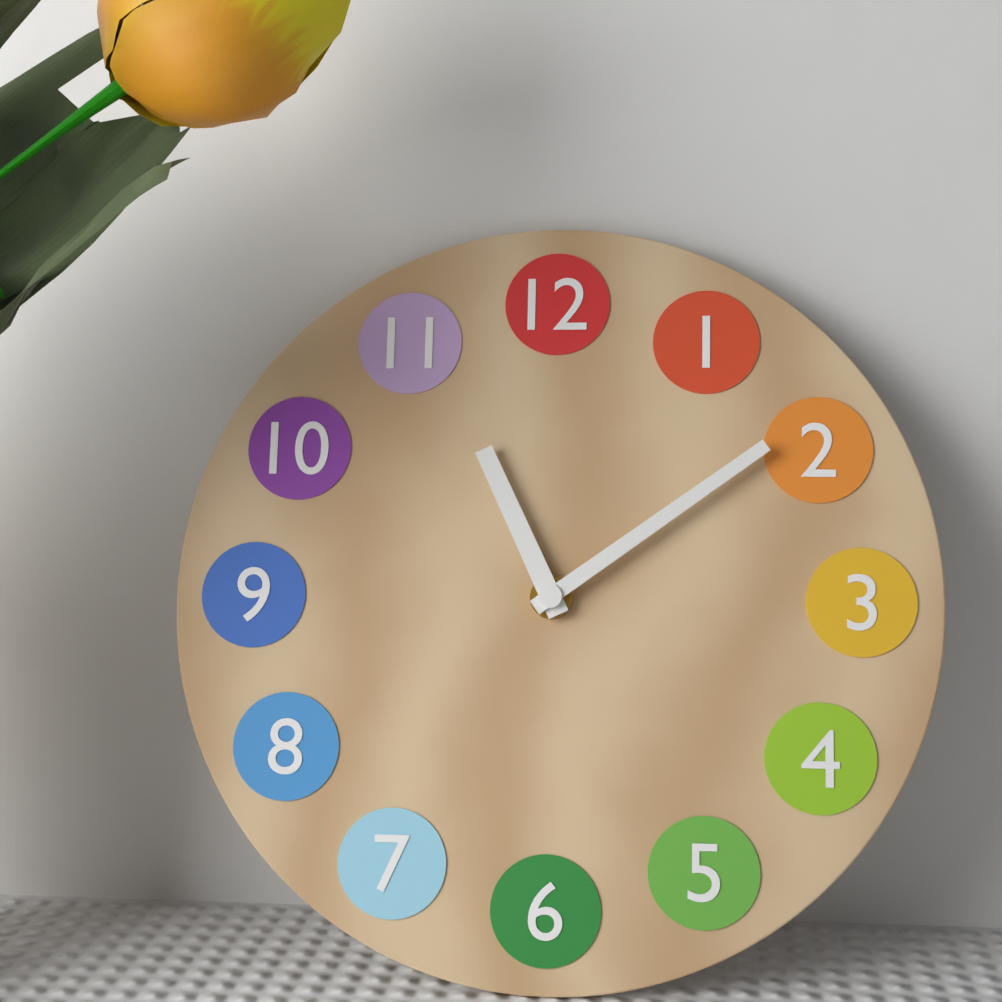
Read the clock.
11:09
